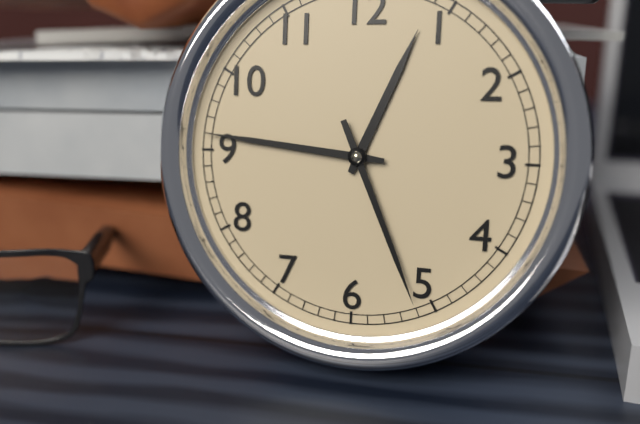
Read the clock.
12:46:26
